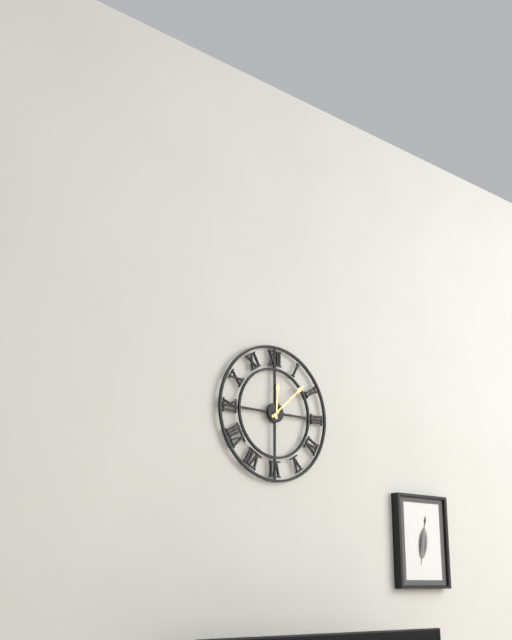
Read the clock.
12:08
